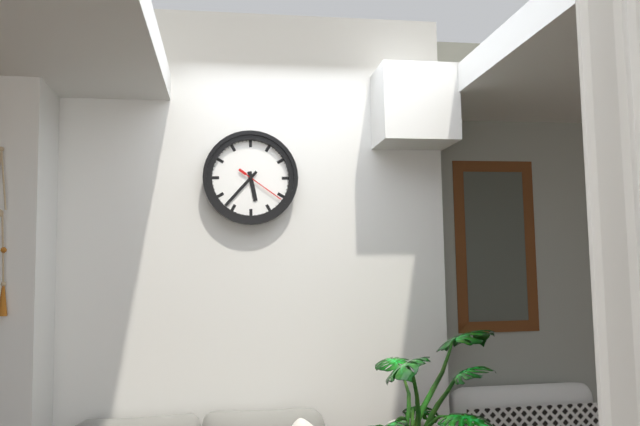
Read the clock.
5:37
